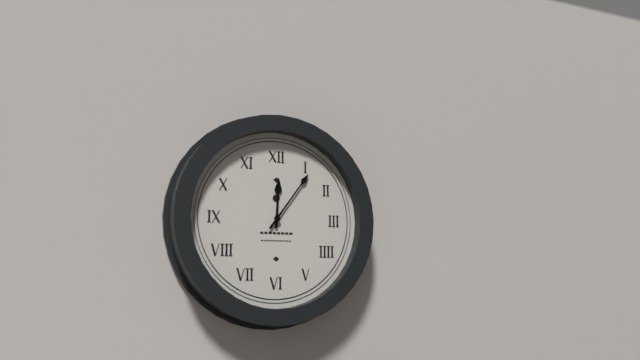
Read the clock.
12:06
